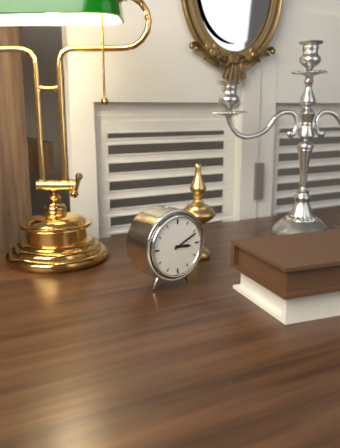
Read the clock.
3:11
